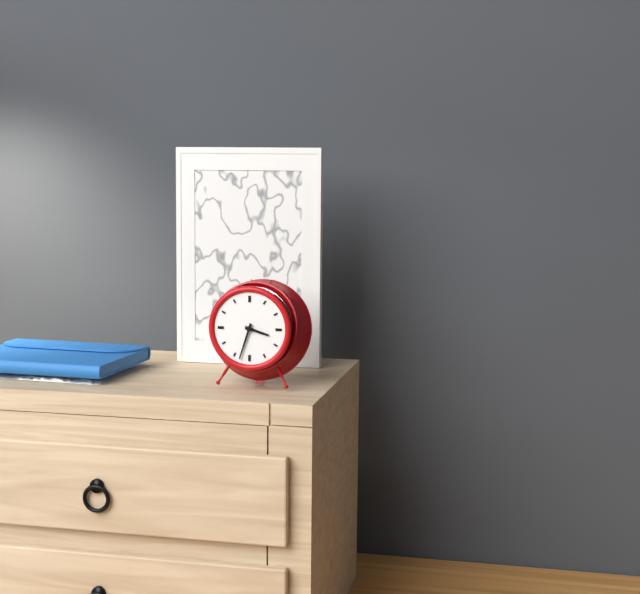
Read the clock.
3:33
